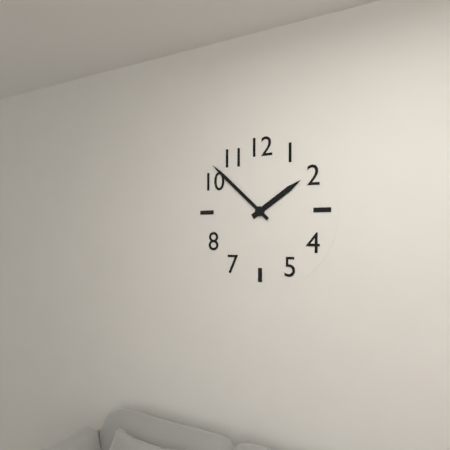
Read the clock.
1:52
